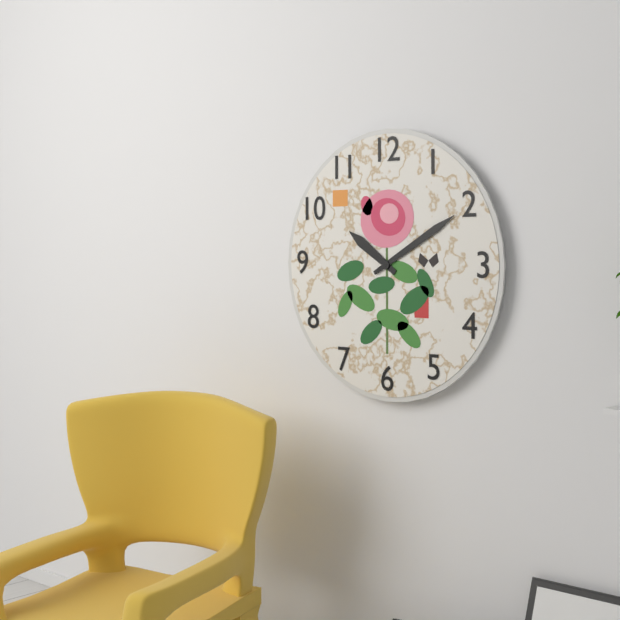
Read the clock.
10:10
